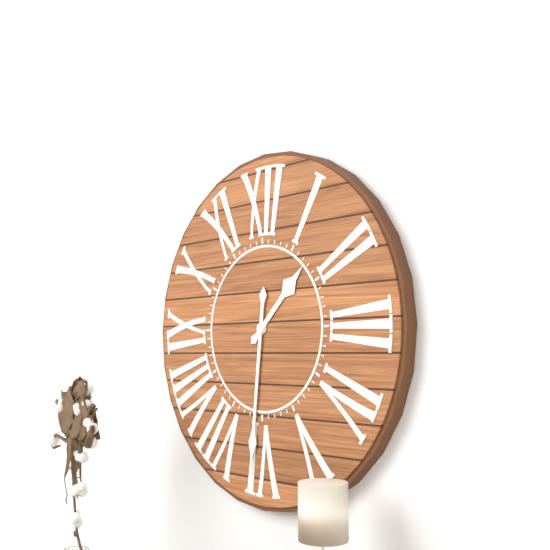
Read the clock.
1:31
